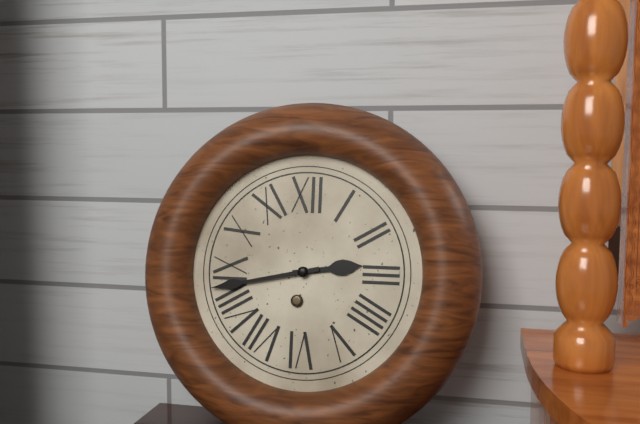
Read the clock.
2:43
